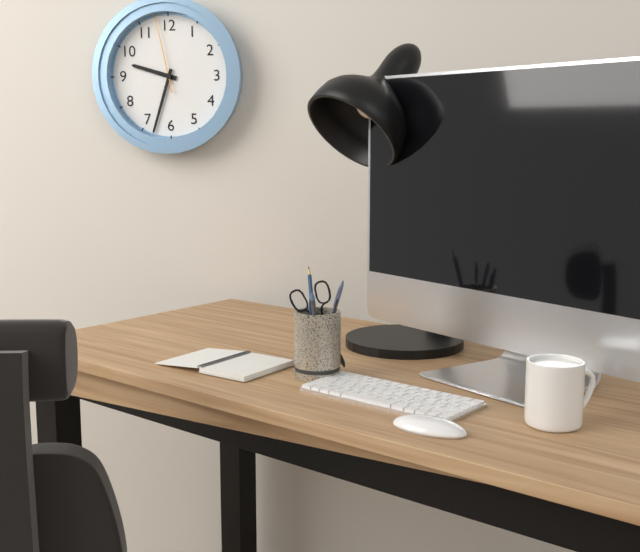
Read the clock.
9:33:58
